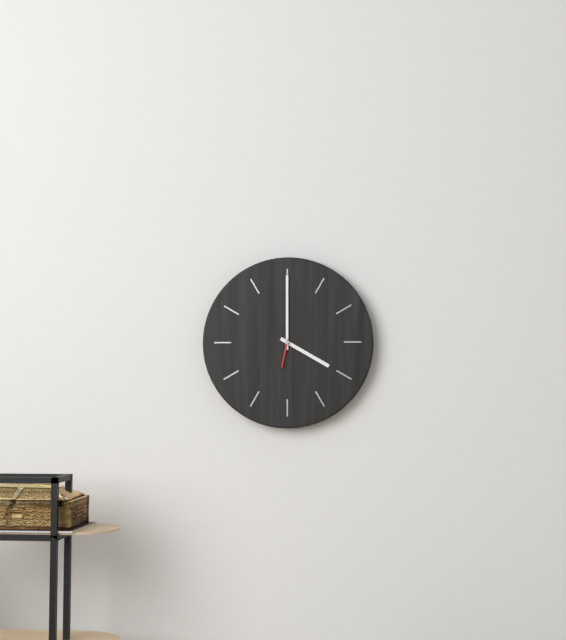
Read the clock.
4:00
